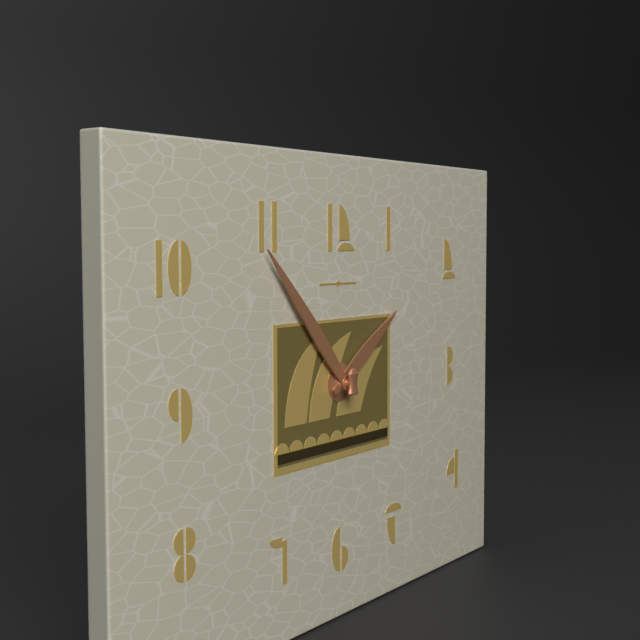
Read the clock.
1:53
